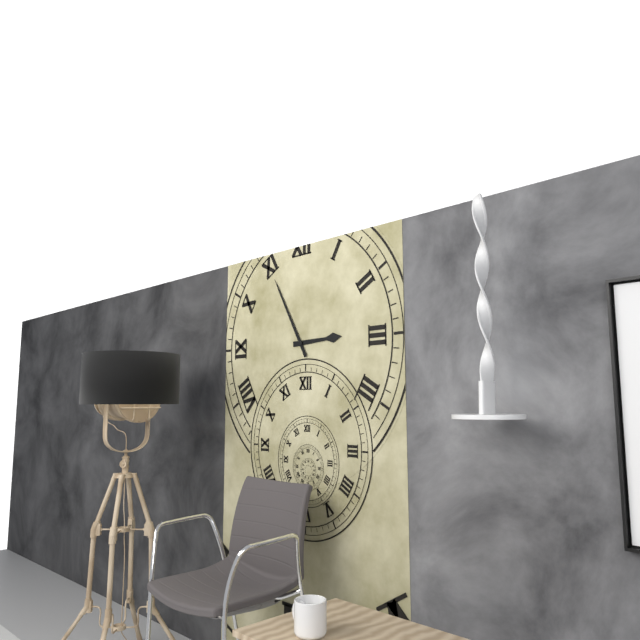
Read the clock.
2:55
